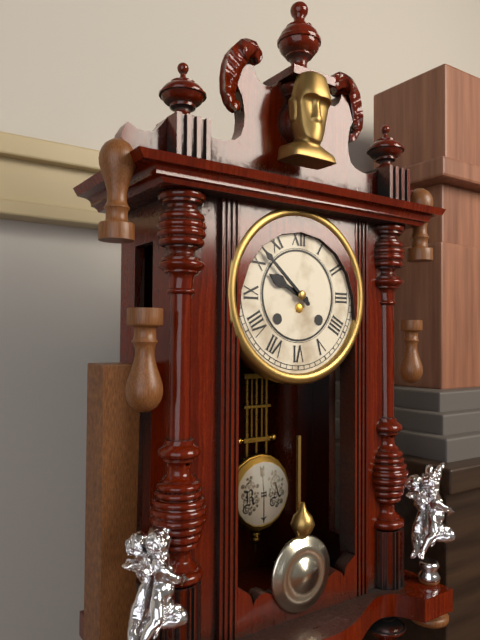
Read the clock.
9:52
